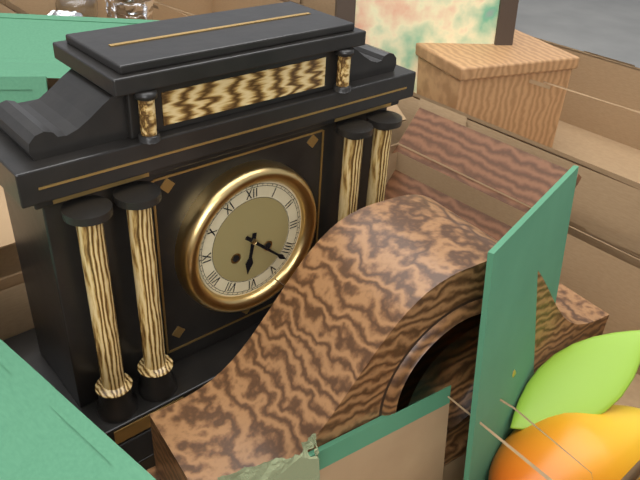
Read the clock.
6:22
